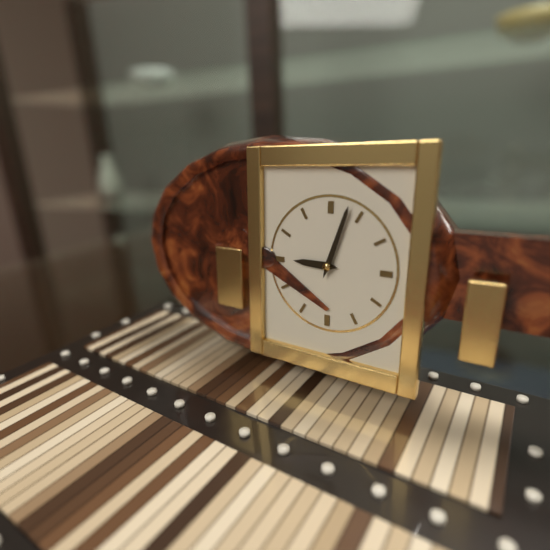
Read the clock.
9:03
